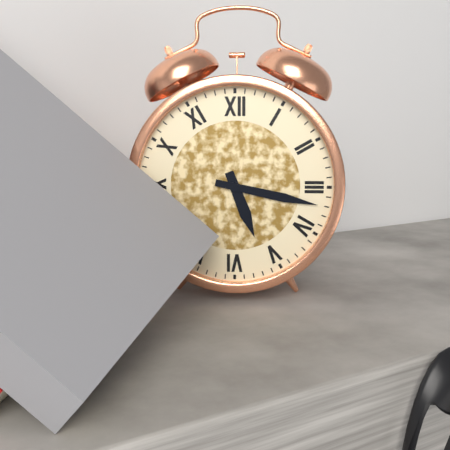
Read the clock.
5:17
